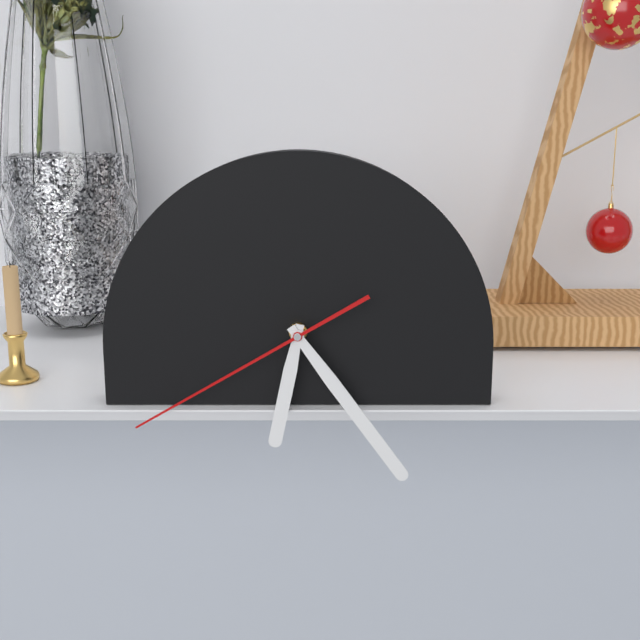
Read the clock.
6:24:40
